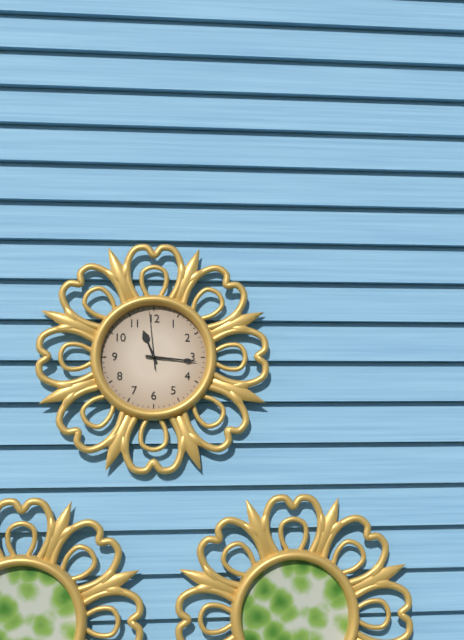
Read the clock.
11:16:59
